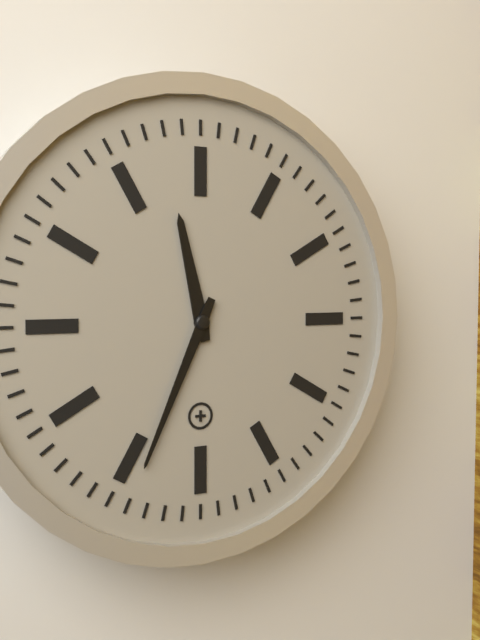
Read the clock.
11:34
